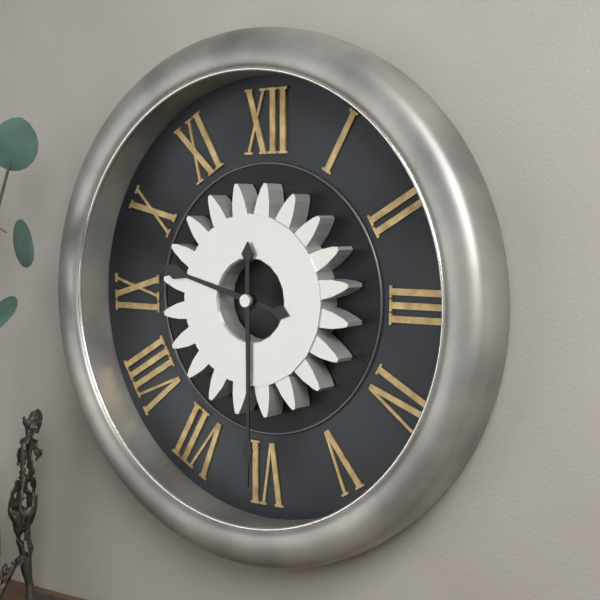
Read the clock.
9:30
